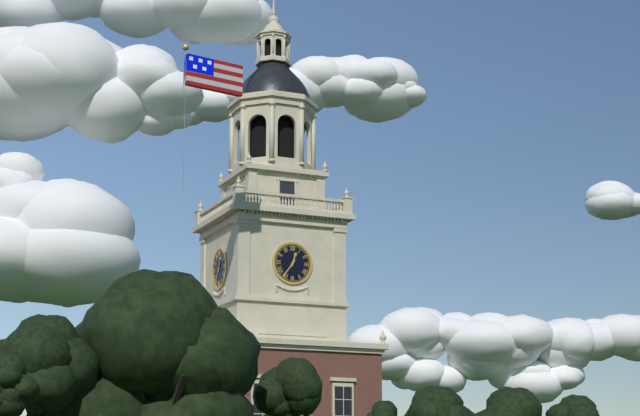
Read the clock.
12:36
